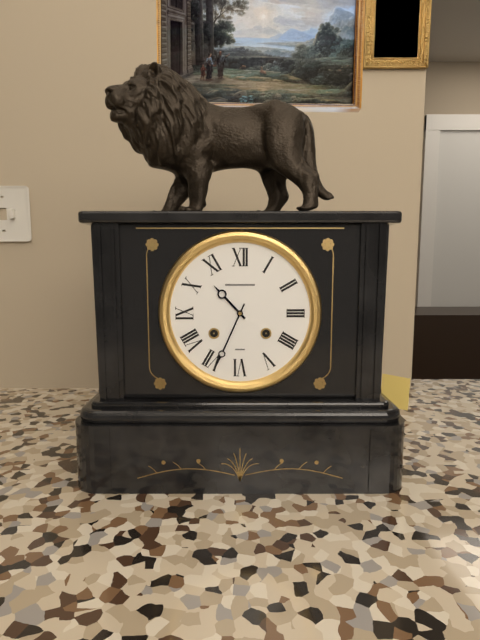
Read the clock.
10:34
